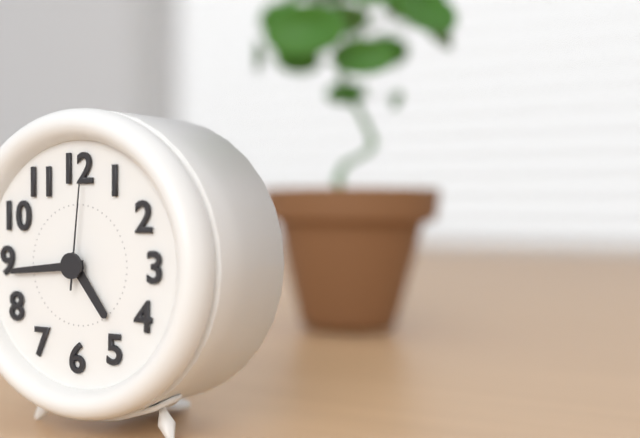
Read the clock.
4:44:01
